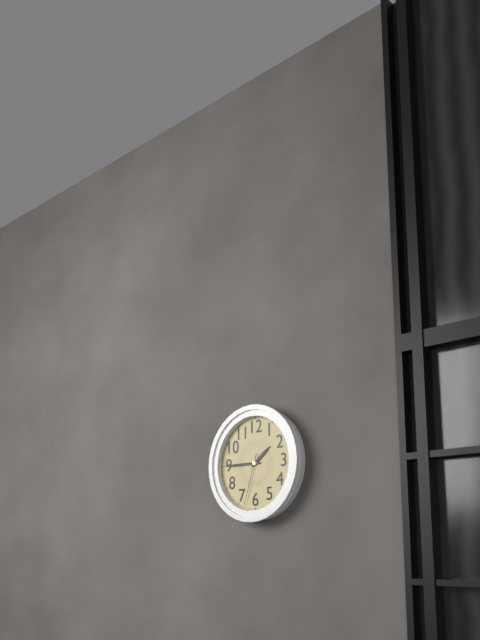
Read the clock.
1:45:33
